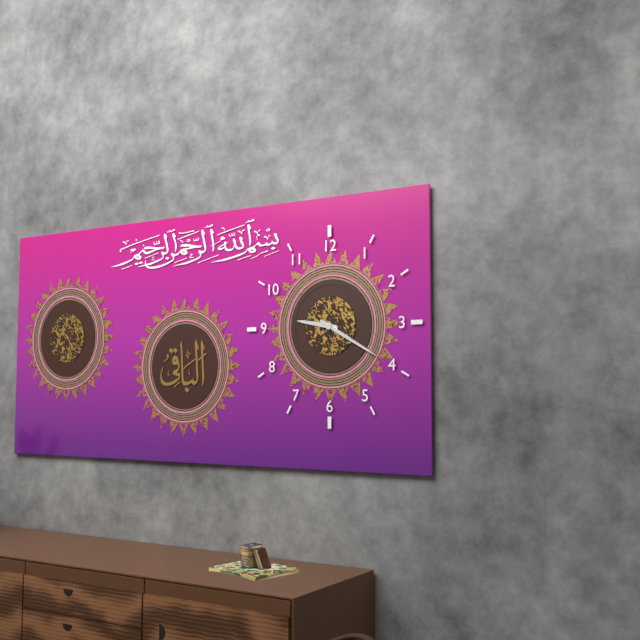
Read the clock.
9:20
